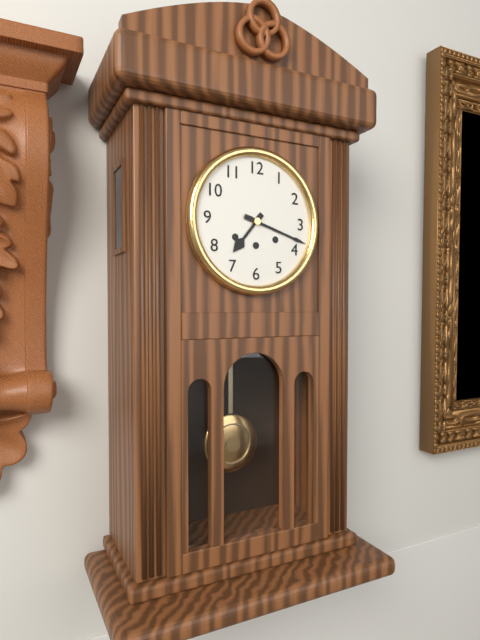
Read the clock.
7:18
